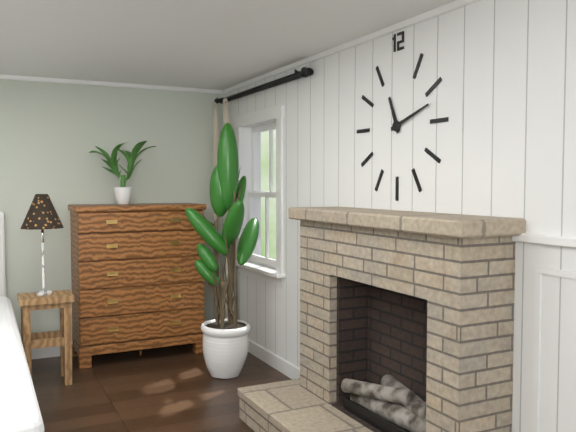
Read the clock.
11:12
